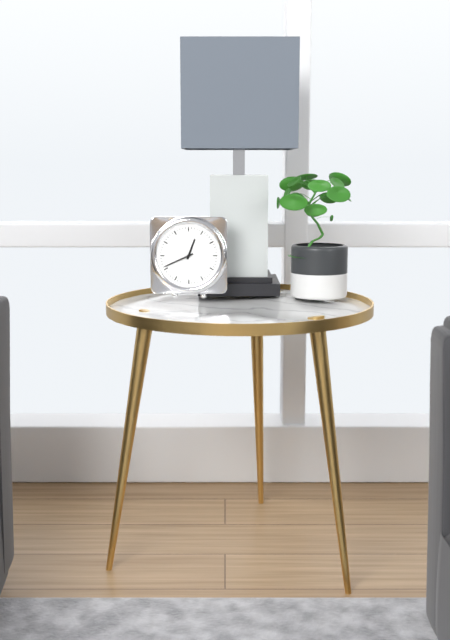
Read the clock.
12:41
